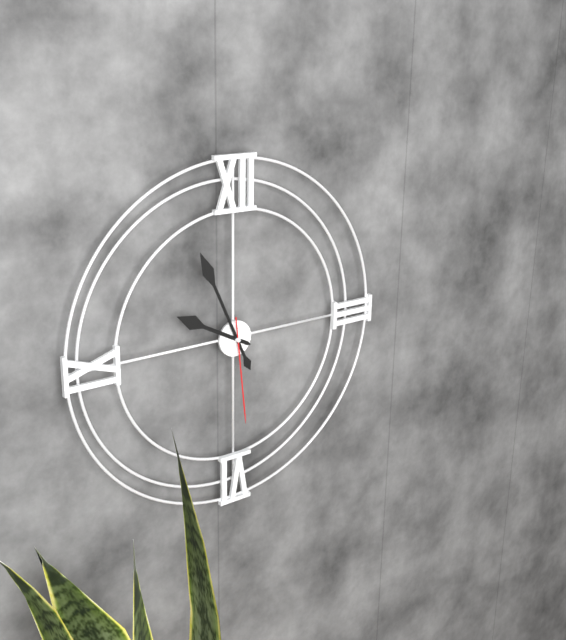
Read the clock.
9:56:29
